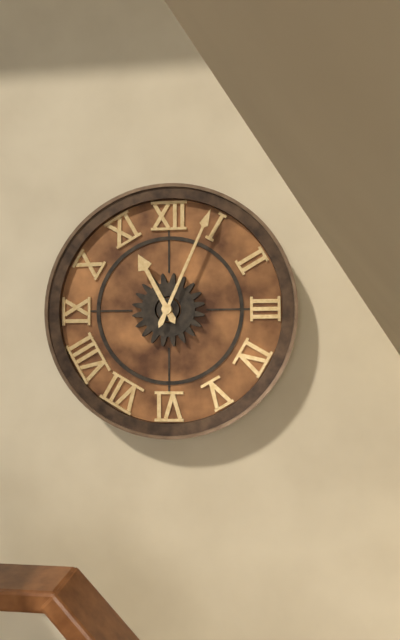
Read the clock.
11:04
